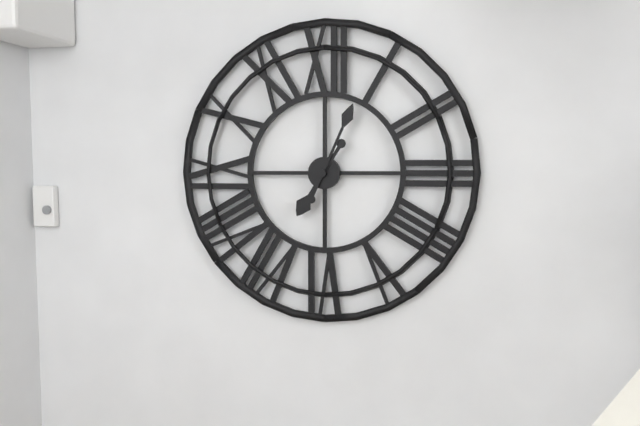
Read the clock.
7:04
